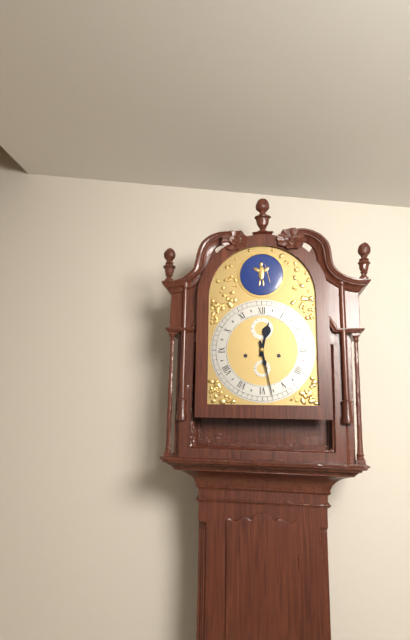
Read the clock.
12:28
